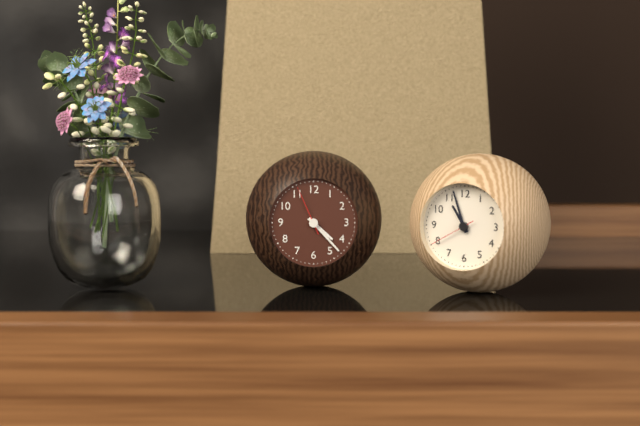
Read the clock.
4:23
